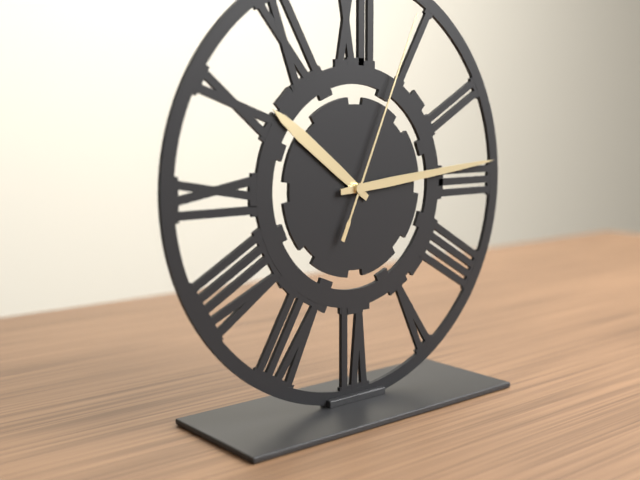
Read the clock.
10:14:04
